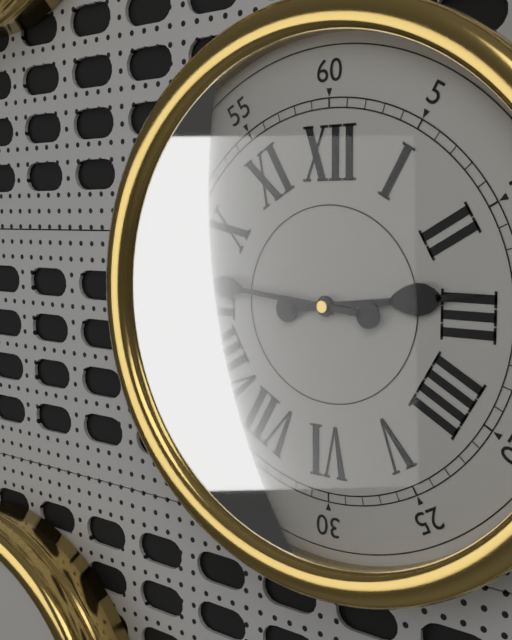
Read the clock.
2:46
